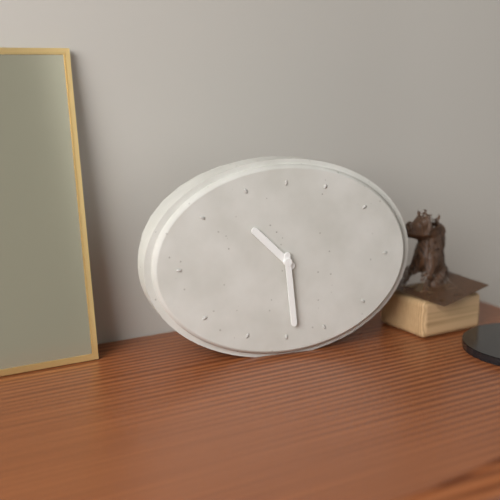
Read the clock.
10:29
